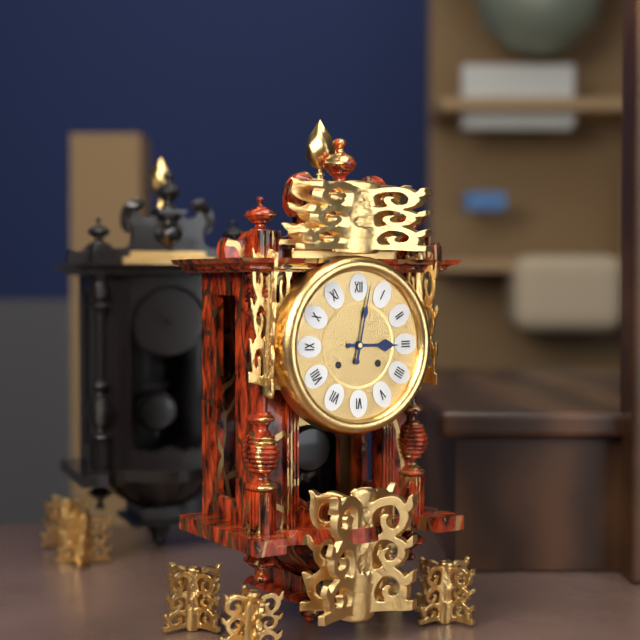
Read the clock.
3:02
